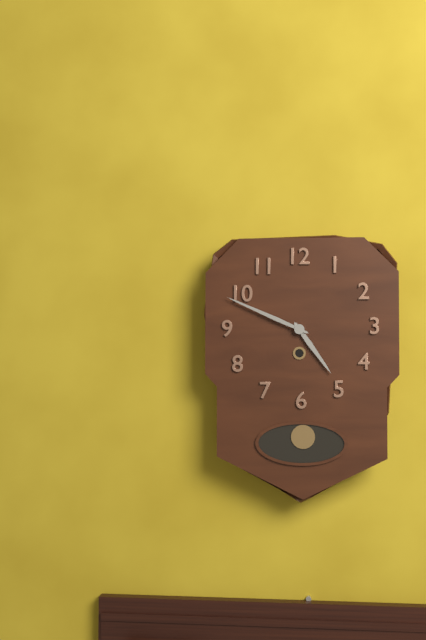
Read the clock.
4:49
